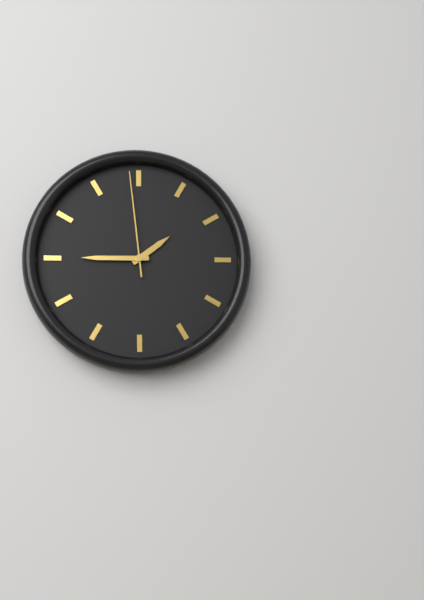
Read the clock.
1:45:59
